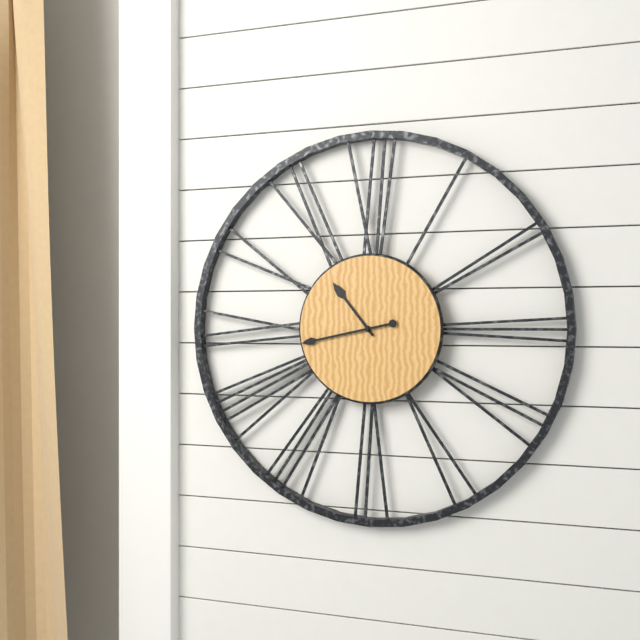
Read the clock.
10:43
